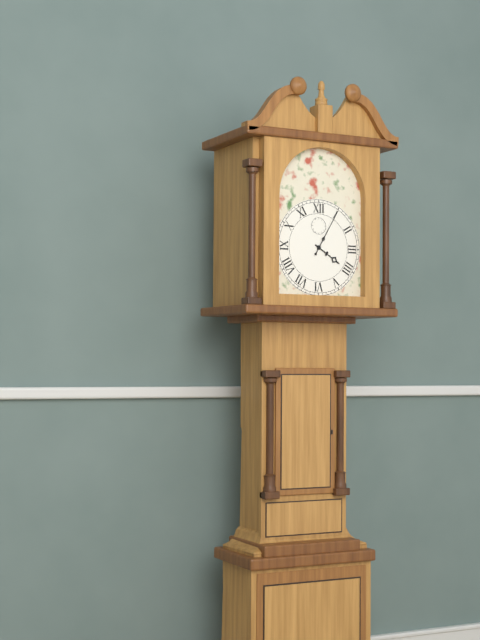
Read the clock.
4:05
